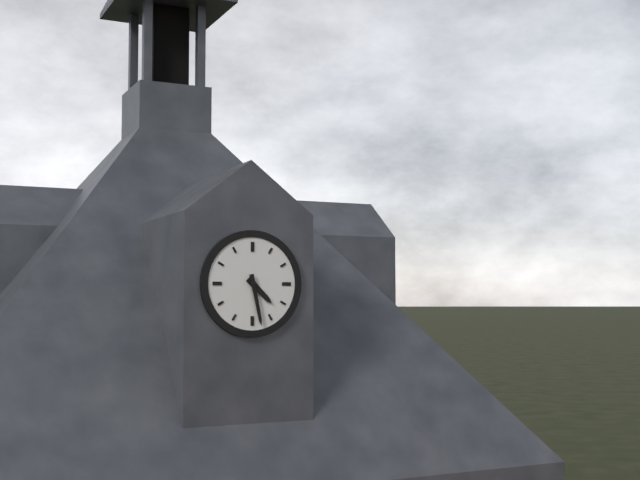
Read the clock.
4:28
